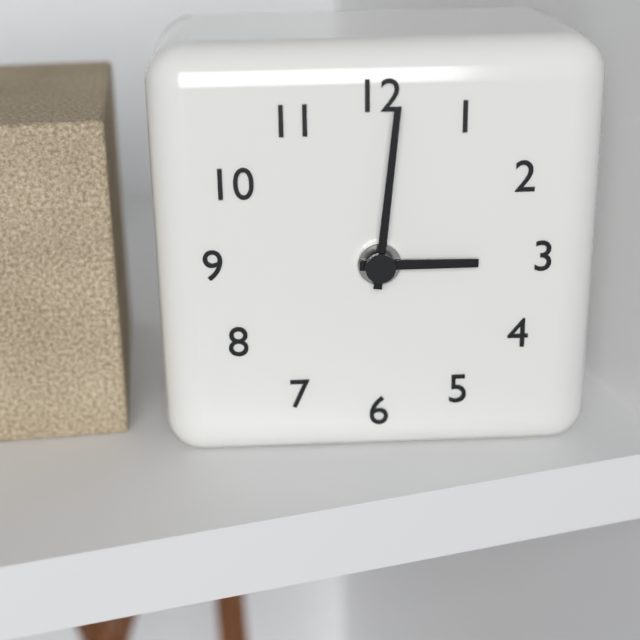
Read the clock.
3:01
